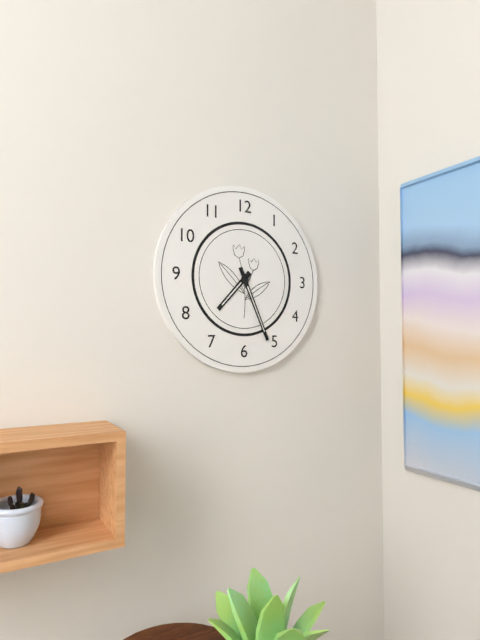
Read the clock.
7:26
